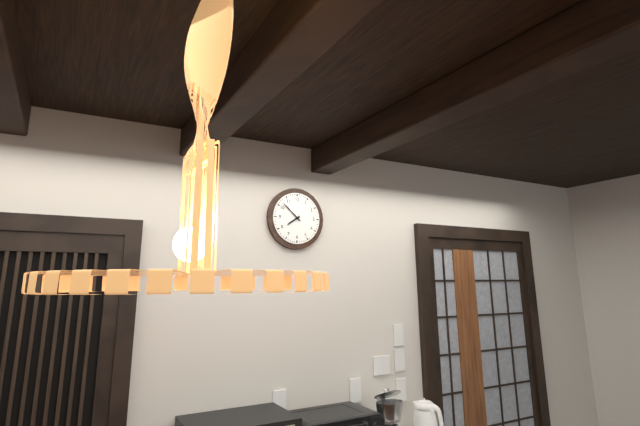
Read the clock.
7:52
